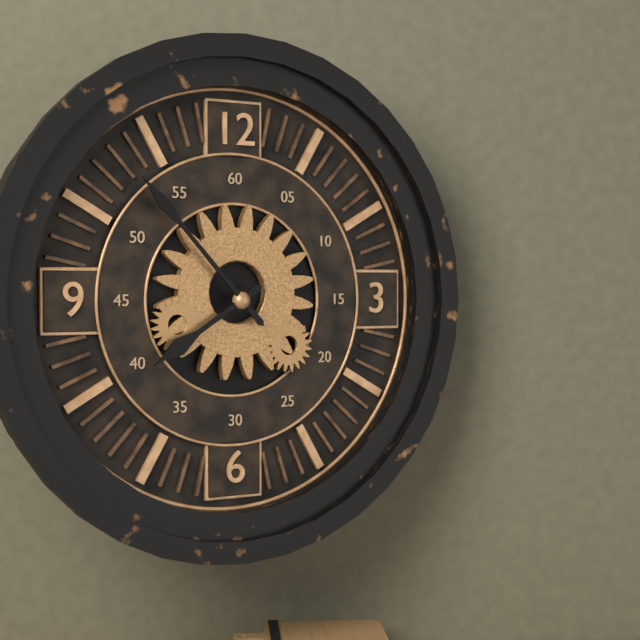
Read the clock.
7:53
